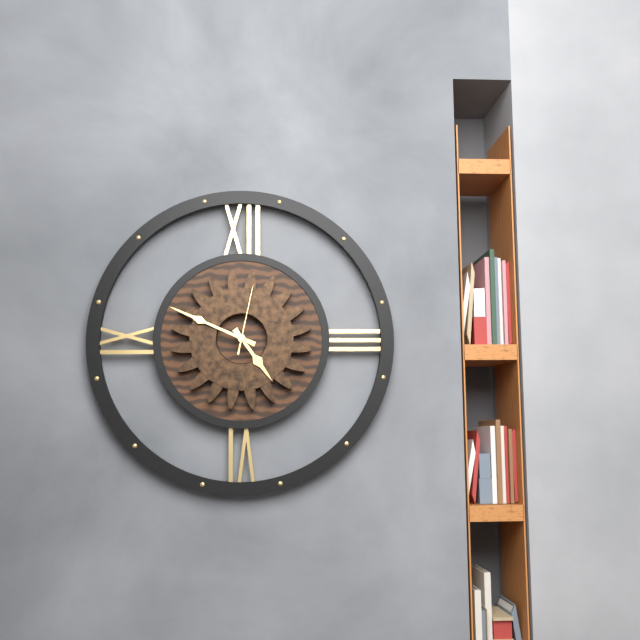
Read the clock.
4:49:02
